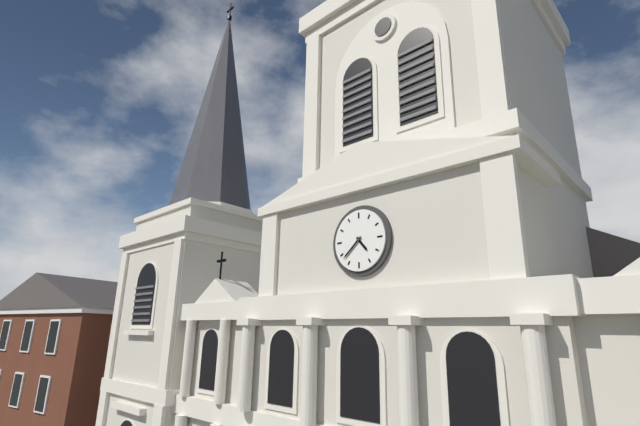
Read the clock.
4:38
